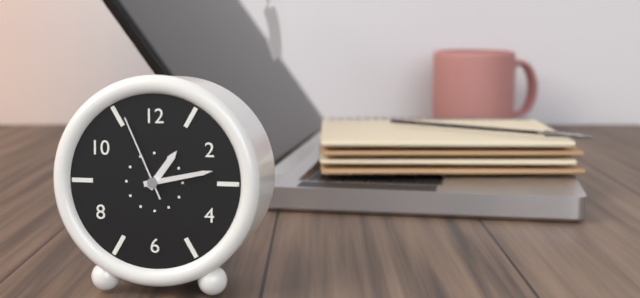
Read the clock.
1:13:56
